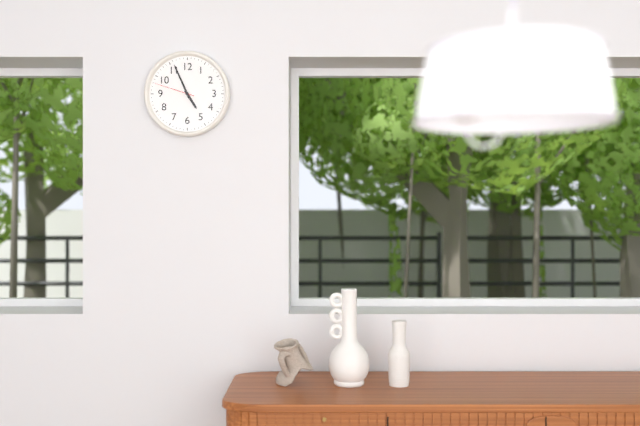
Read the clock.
4:56
